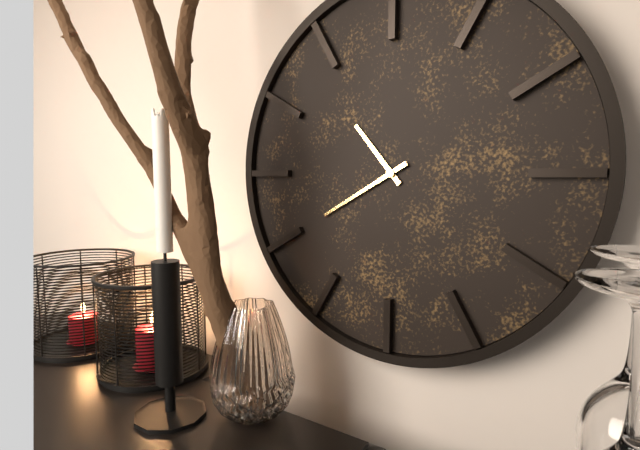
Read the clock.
10:40
